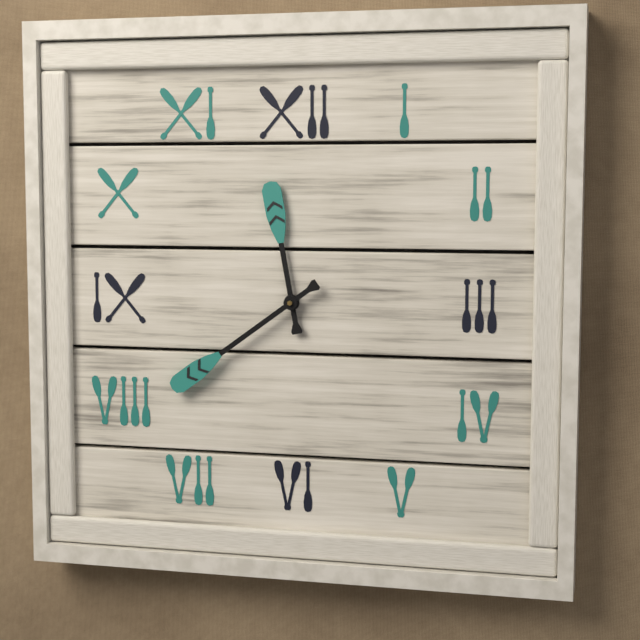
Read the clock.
11:39
